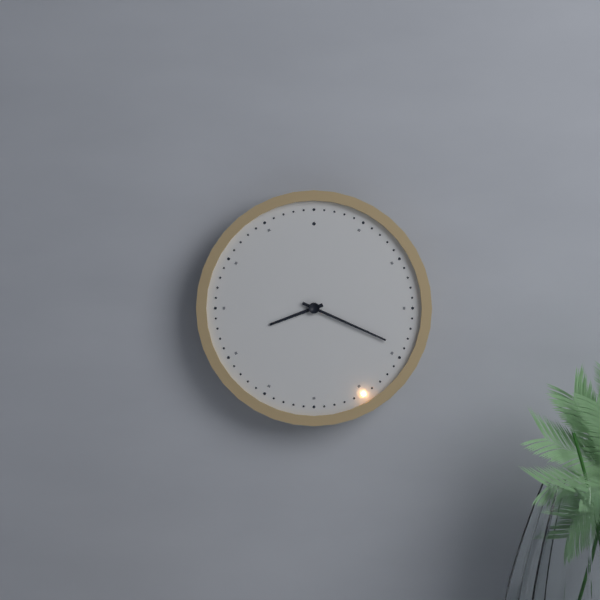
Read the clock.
8:19
